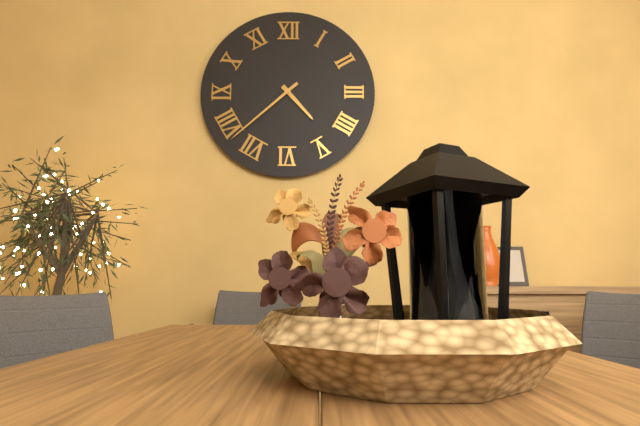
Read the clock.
4:38
